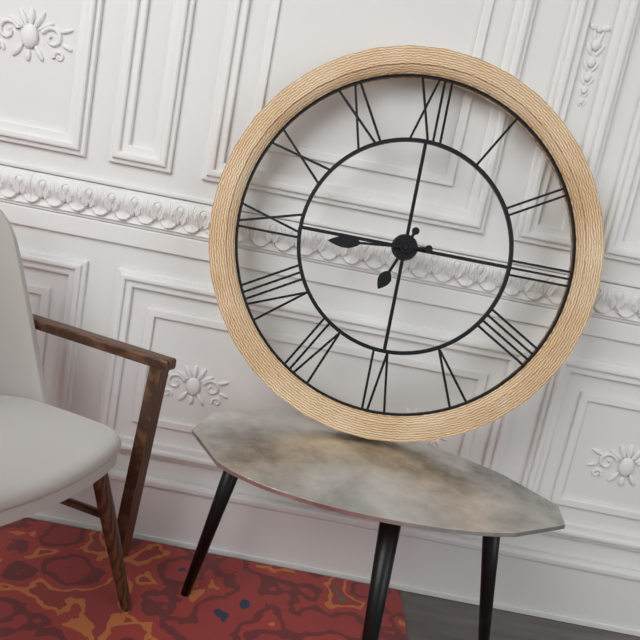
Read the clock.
6:44
